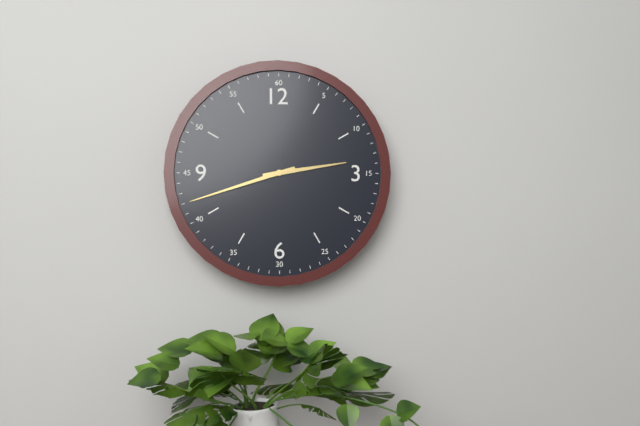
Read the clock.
2:42
